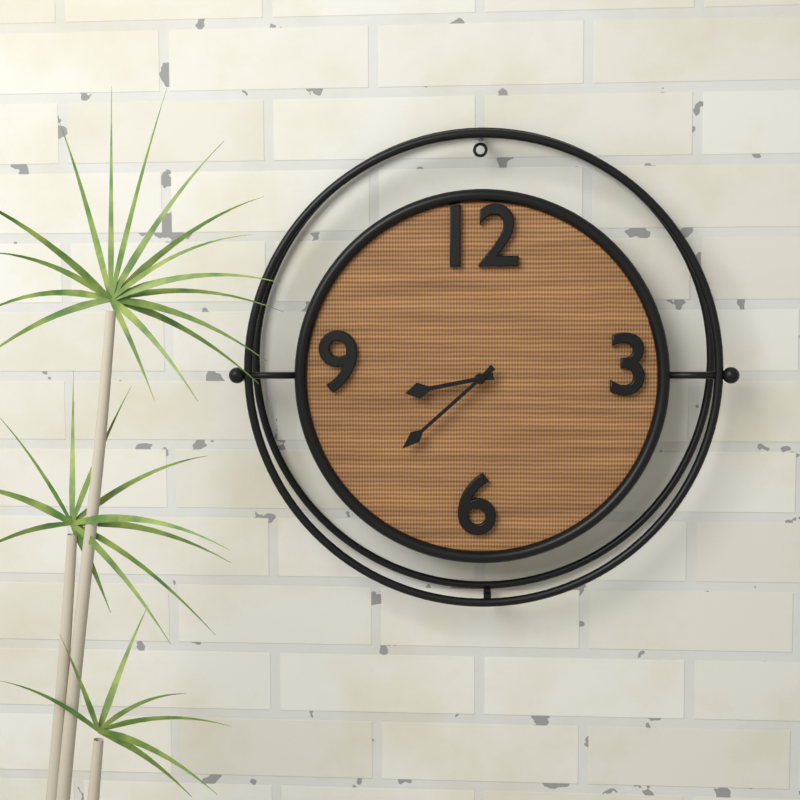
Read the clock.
8:38
